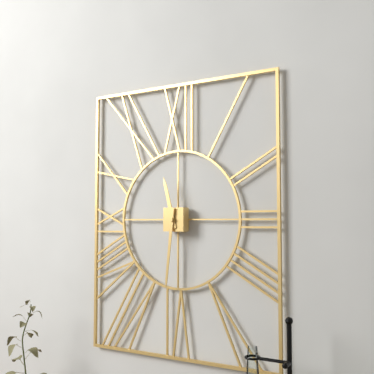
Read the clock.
11:31
